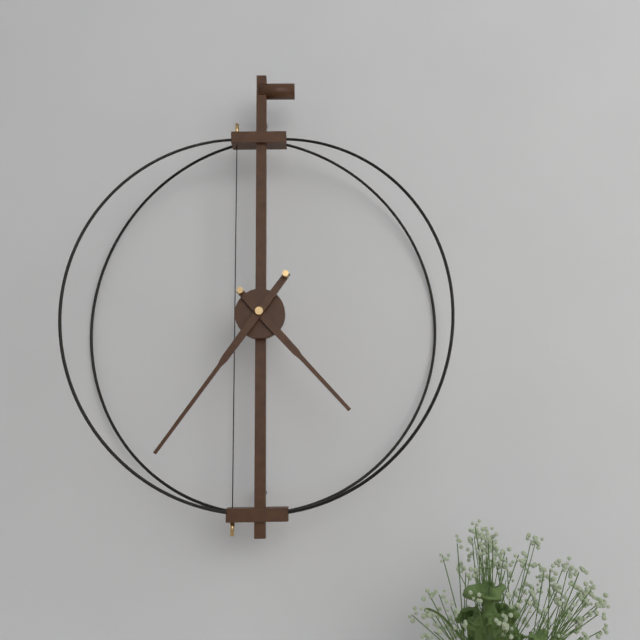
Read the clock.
4:36
